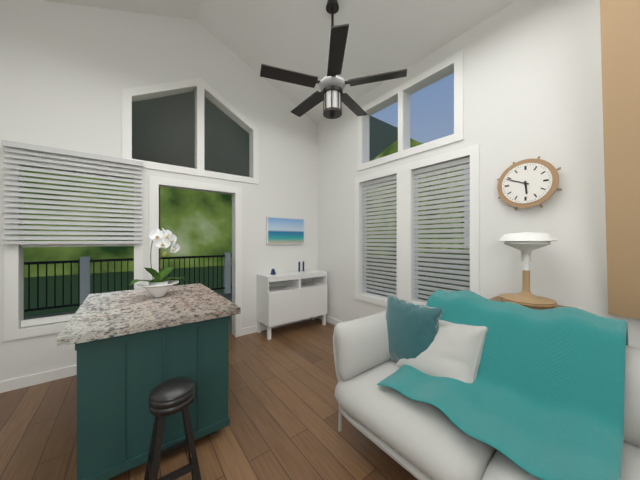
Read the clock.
5:49
